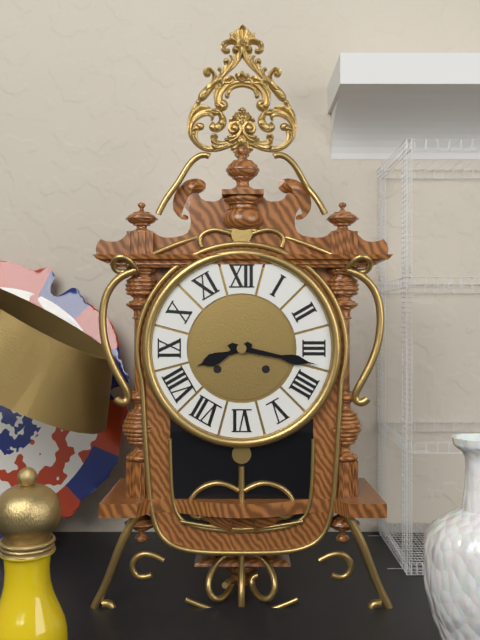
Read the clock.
8:17
